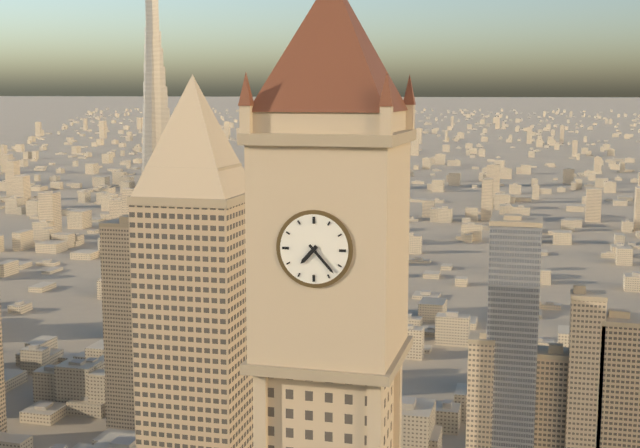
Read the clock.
7:23
